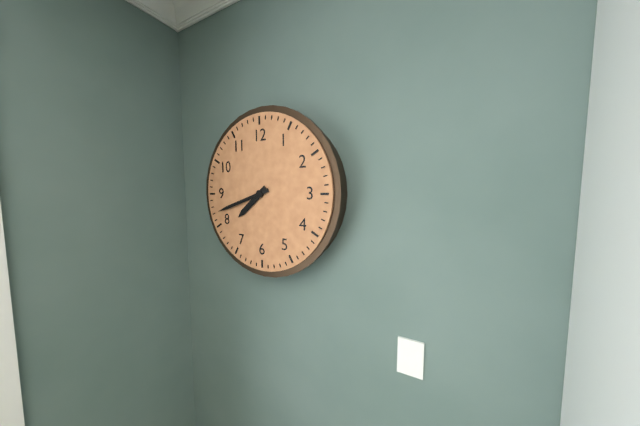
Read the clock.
7:42
